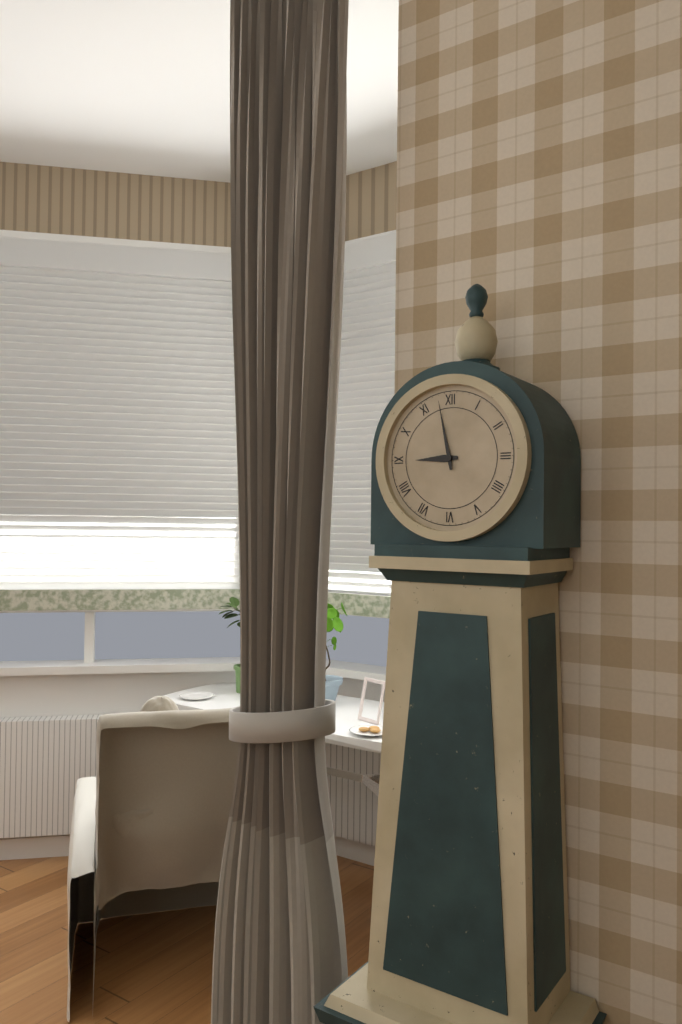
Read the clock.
8:58
